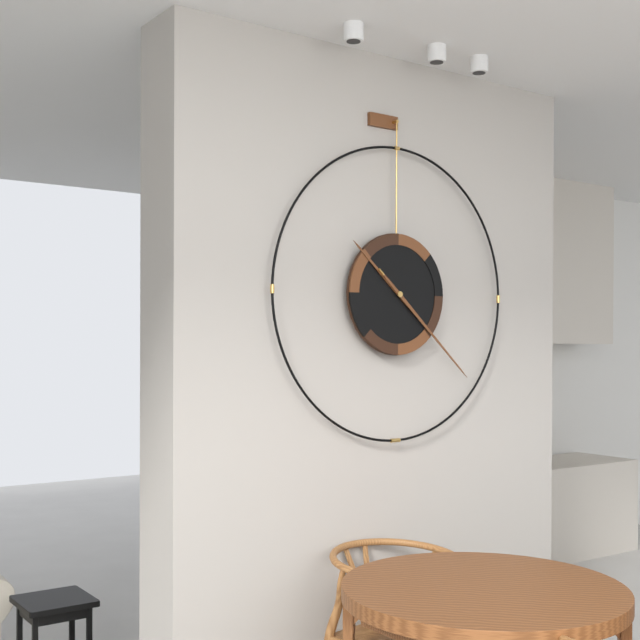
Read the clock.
10:22
